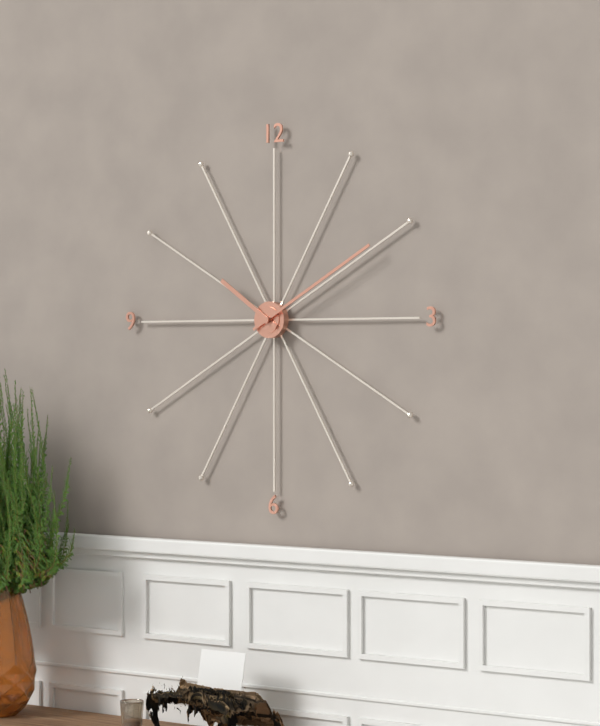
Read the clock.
10:10
